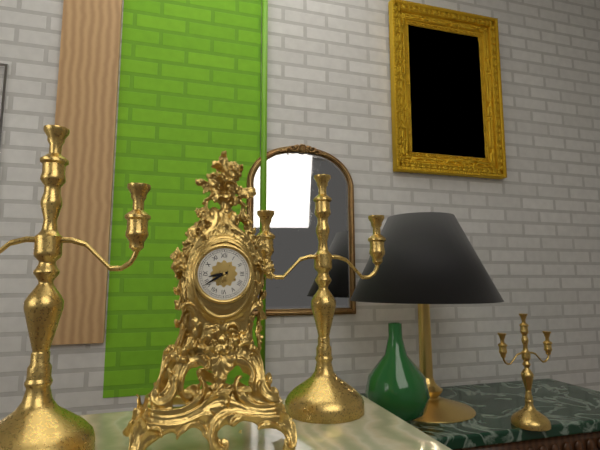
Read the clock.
8:40
